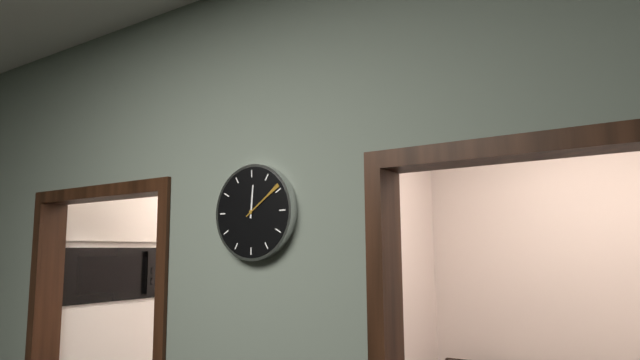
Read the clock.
12:09
